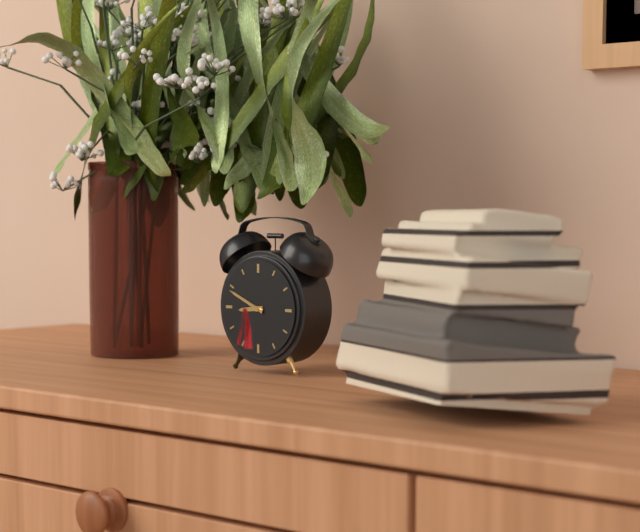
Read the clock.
8:49
